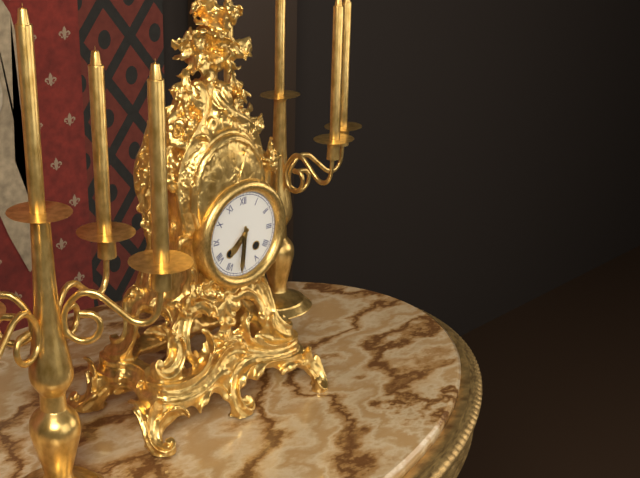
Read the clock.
7:31
